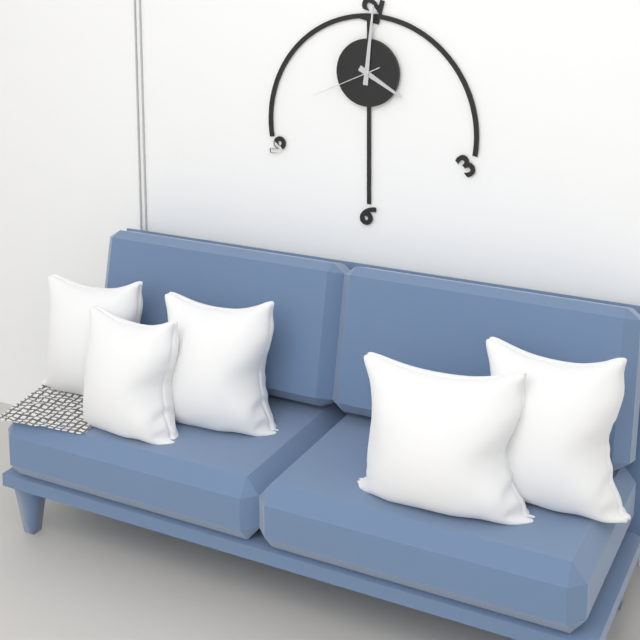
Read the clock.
4:01:41
